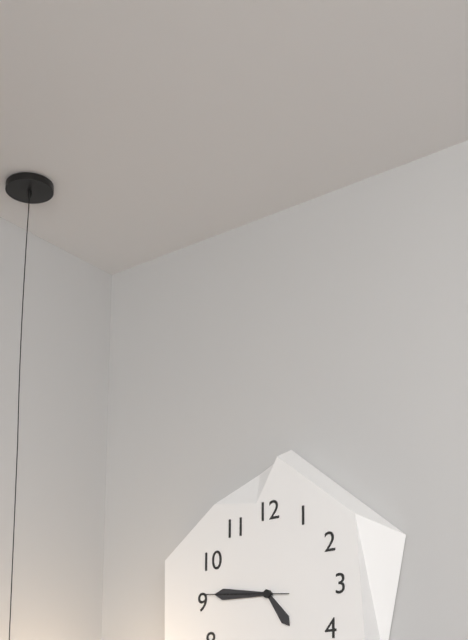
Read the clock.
4:46:46
